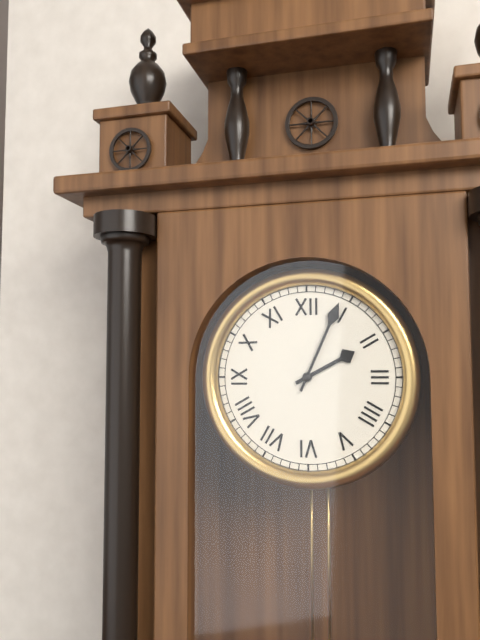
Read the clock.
2:04
